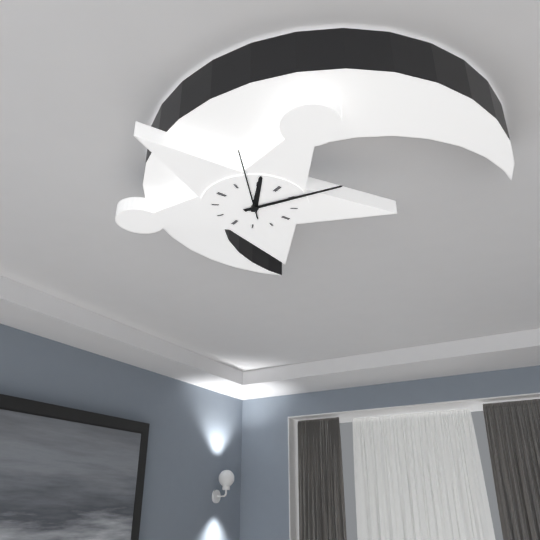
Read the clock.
11:05:53
